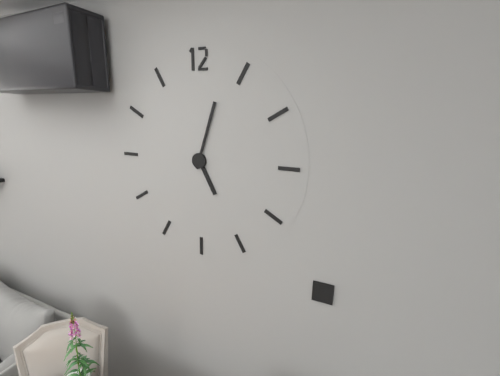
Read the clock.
5:03
